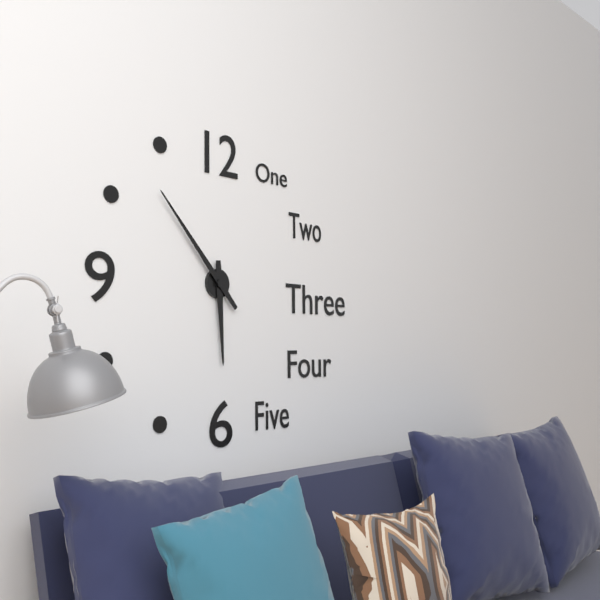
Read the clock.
5:53
